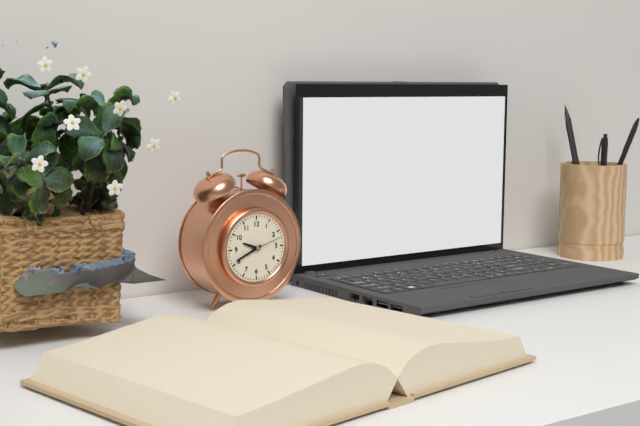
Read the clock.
9:41
